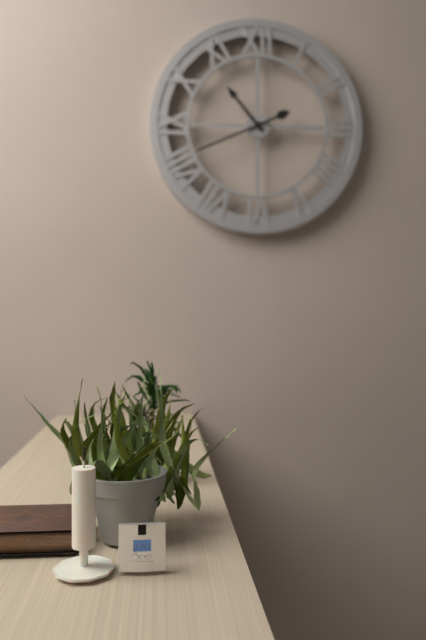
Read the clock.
10:41
